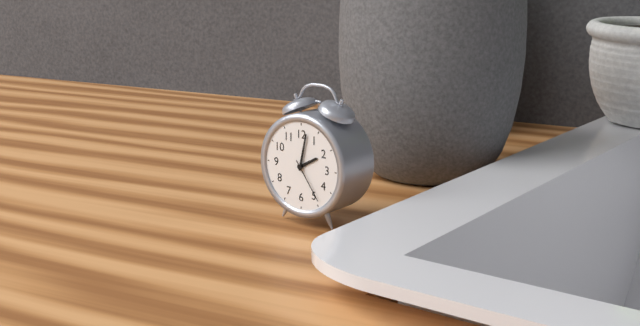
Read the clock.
2:02
